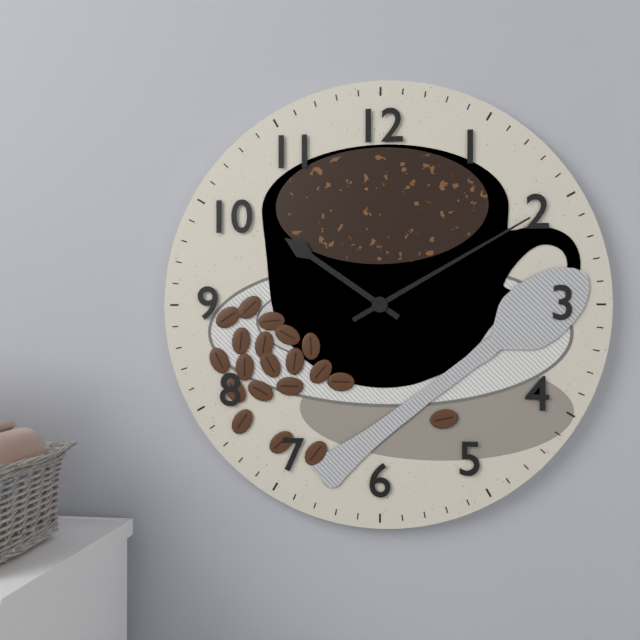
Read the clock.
10:10
